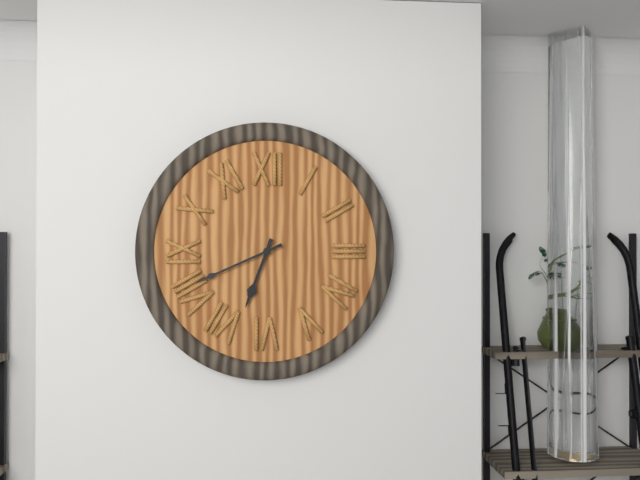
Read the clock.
6:41
